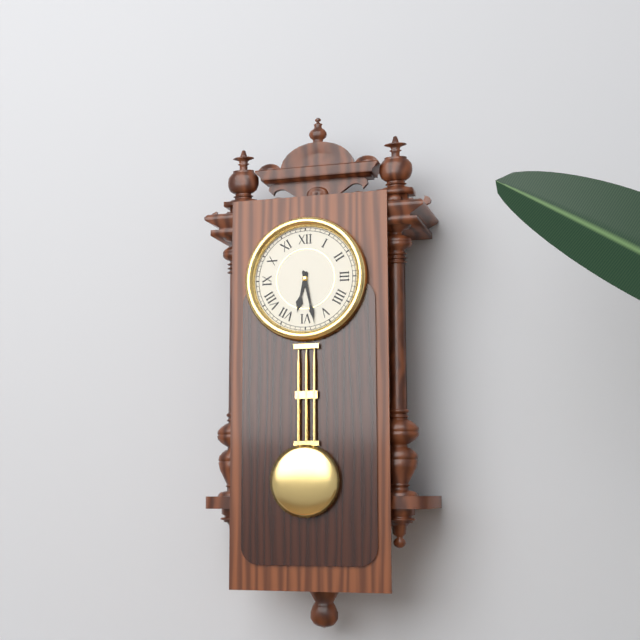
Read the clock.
6:28
